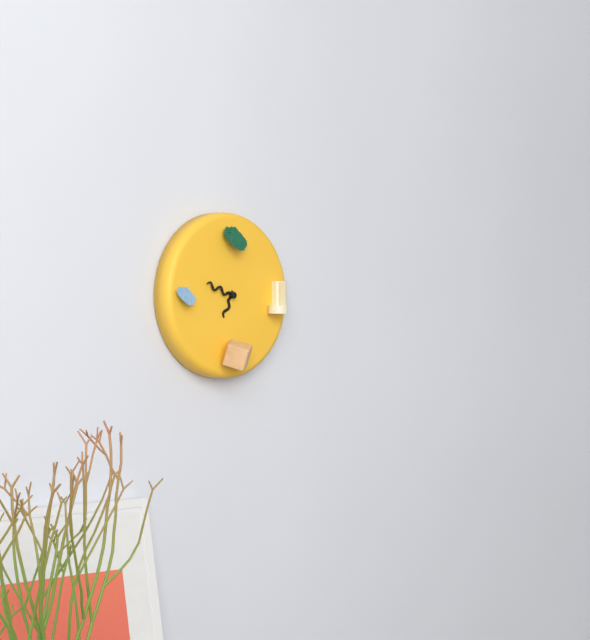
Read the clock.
6:48
